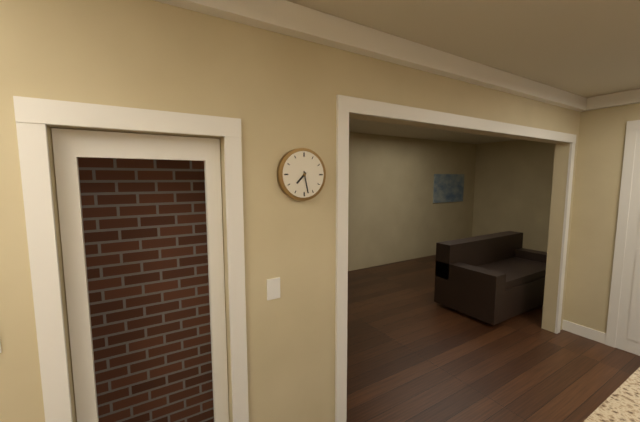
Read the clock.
7:28
